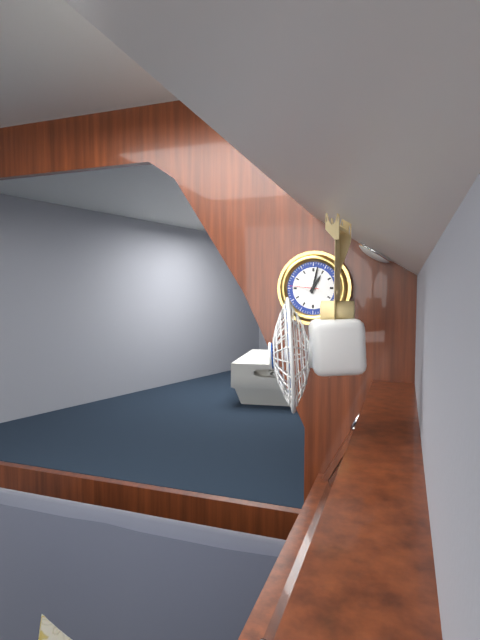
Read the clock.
1:02
